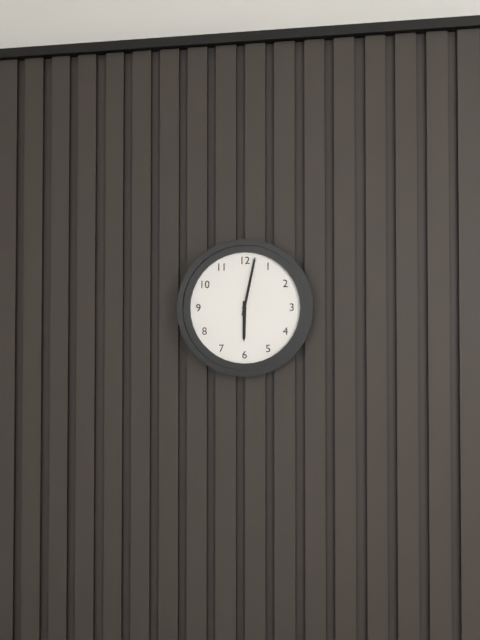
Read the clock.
6:02
